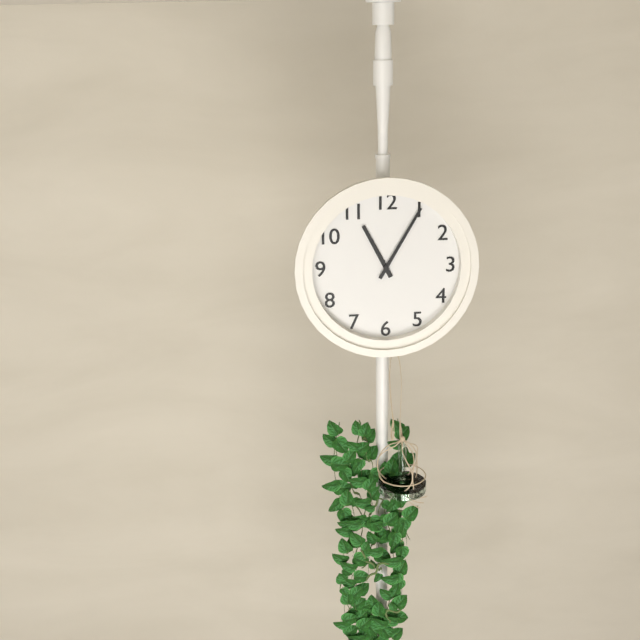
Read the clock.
11:05
